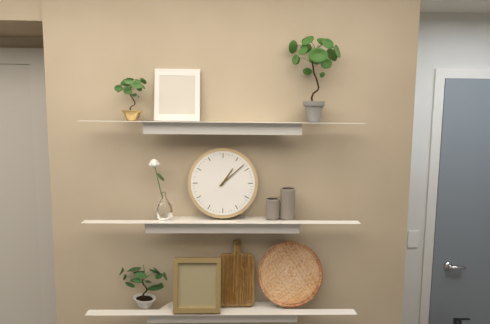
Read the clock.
1:08
